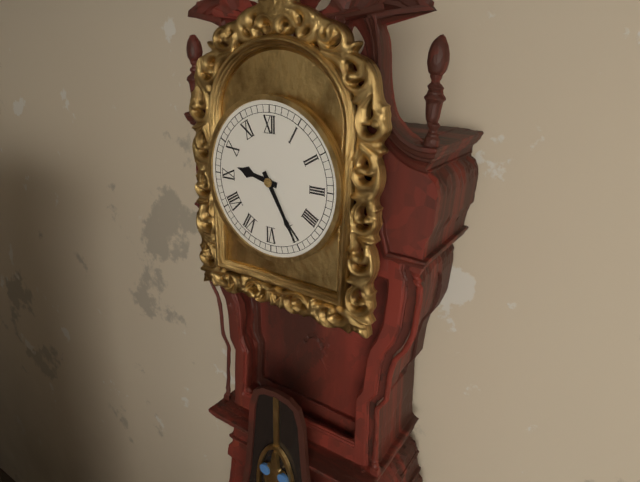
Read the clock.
9:25
